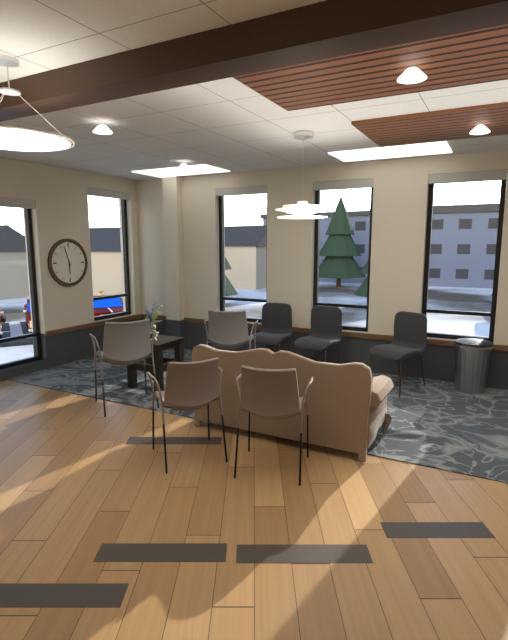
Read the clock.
5:57
